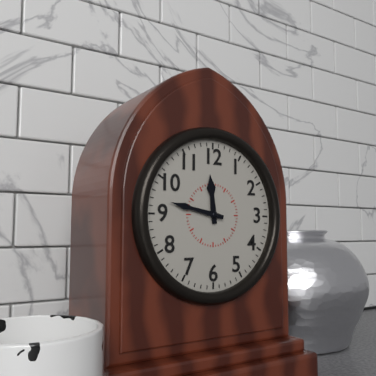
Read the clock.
11:47
